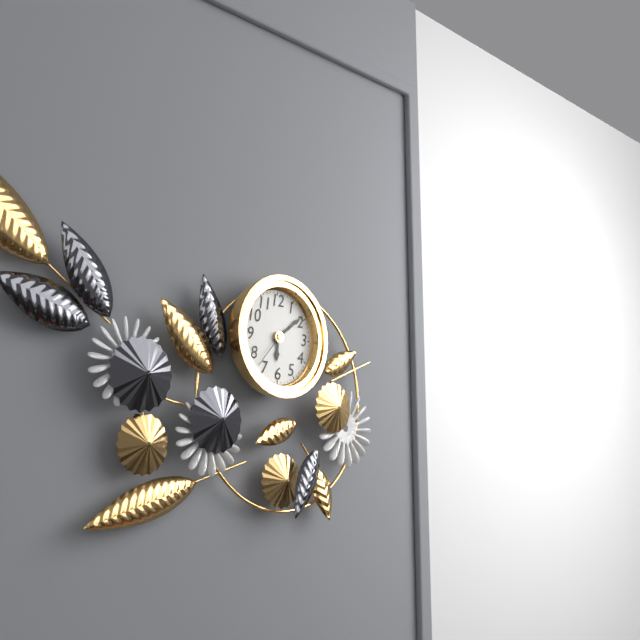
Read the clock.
6:09
